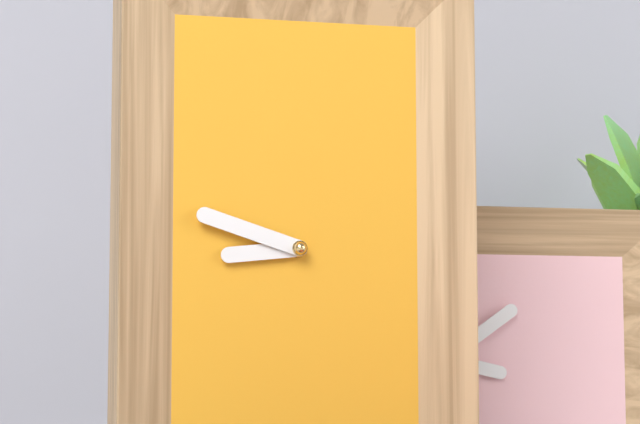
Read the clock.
8:48
